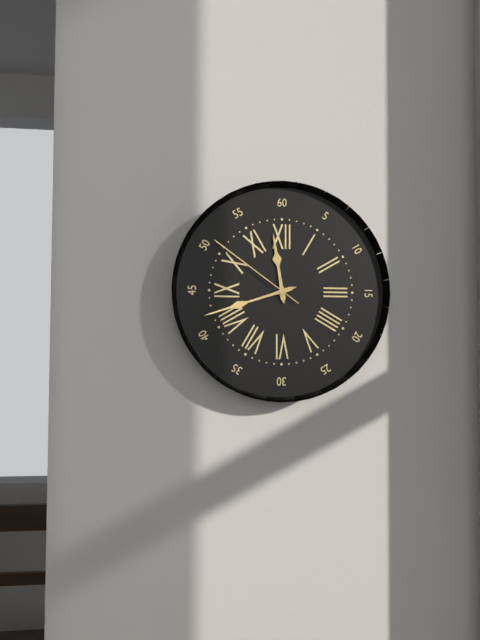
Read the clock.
11:42:51
